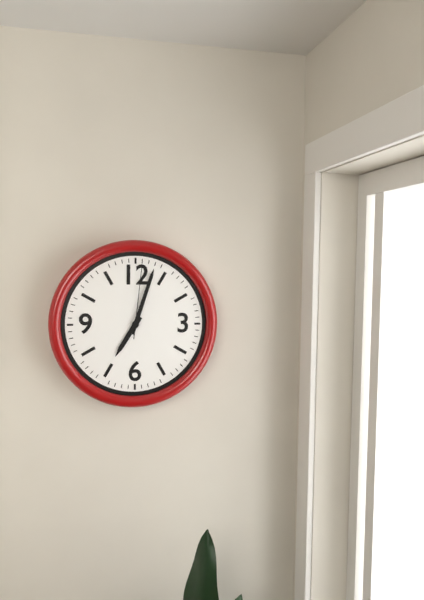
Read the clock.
7:03:01
